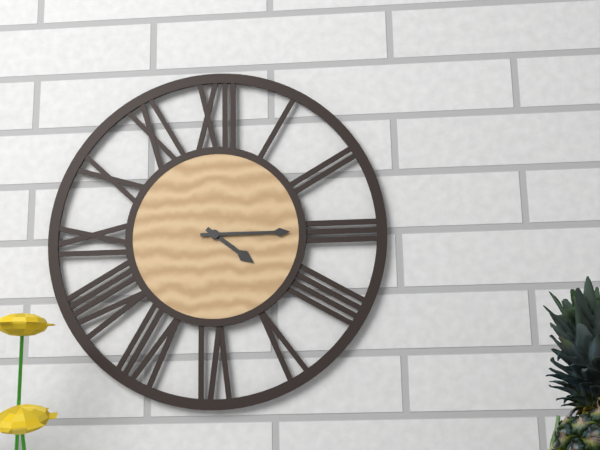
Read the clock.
4:15
